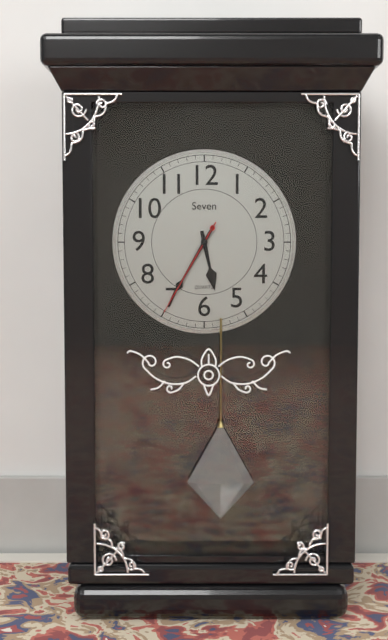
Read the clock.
5:35:35
